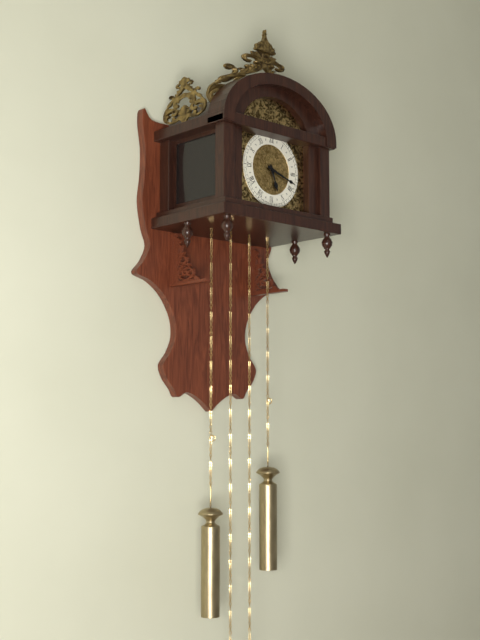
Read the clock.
5:18
